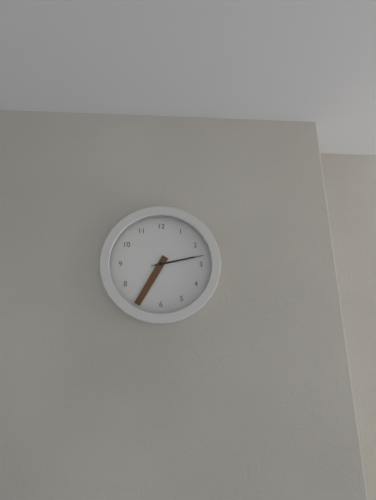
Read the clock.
2:35:13
